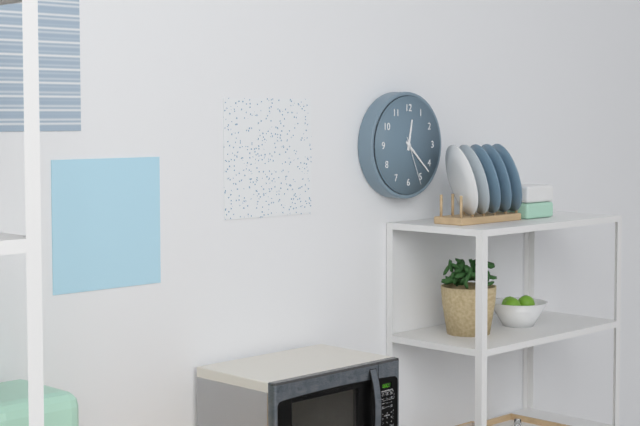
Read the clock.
12:22:26
